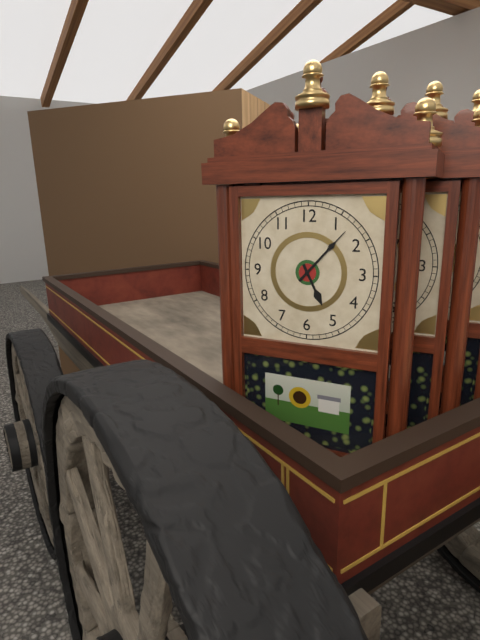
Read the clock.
5:07
